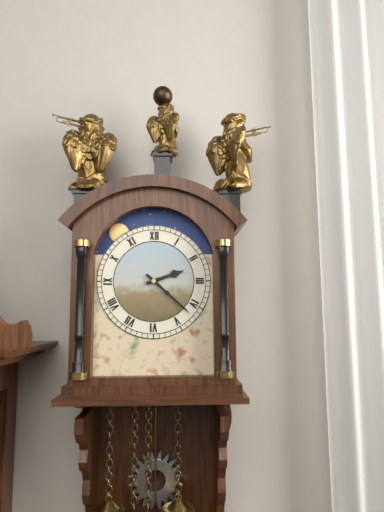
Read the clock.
2:22
